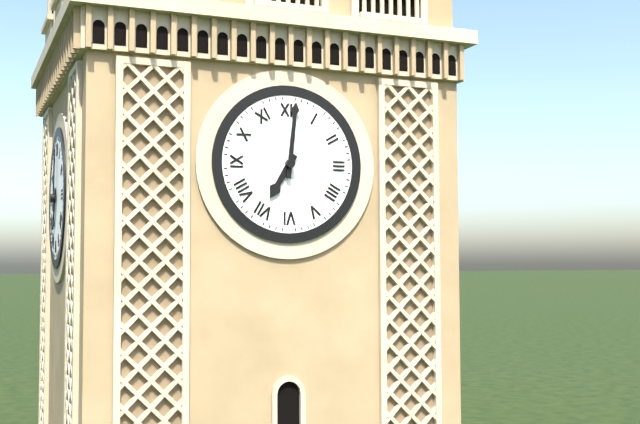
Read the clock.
7:01
